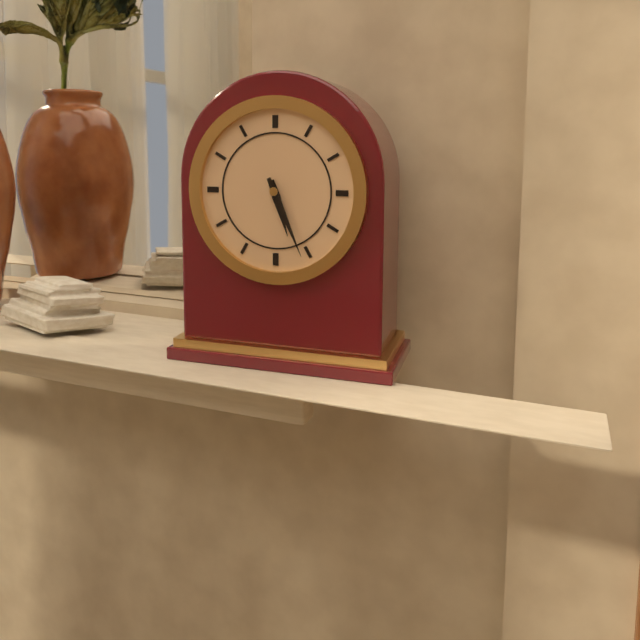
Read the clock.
5:26
